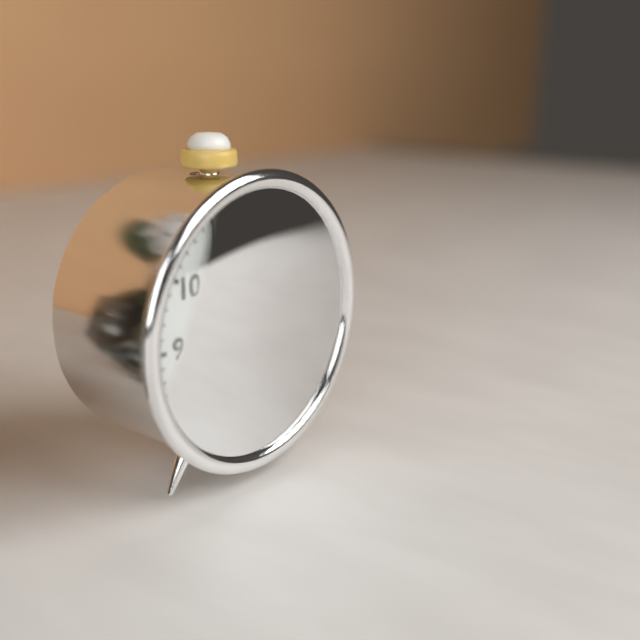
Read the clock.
1:58
